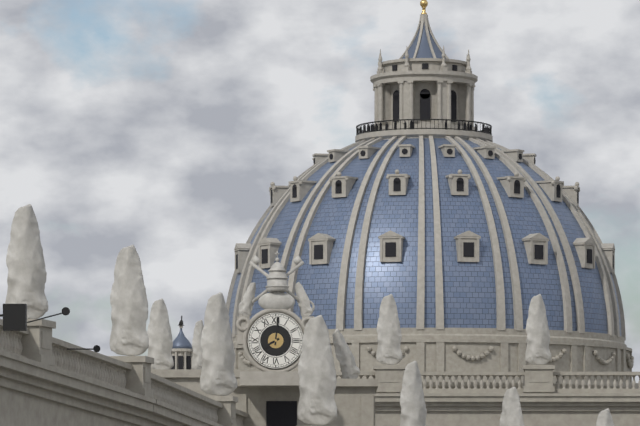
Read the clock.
8:01
